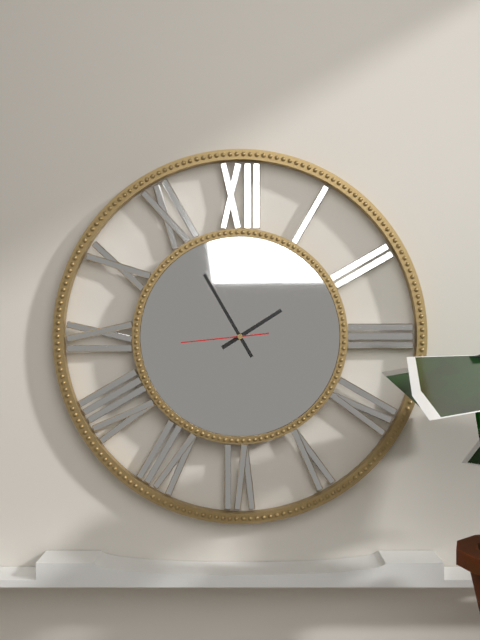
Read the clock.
1:55:44
